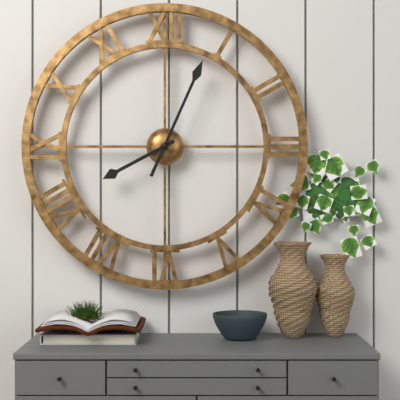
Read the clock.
8:04
